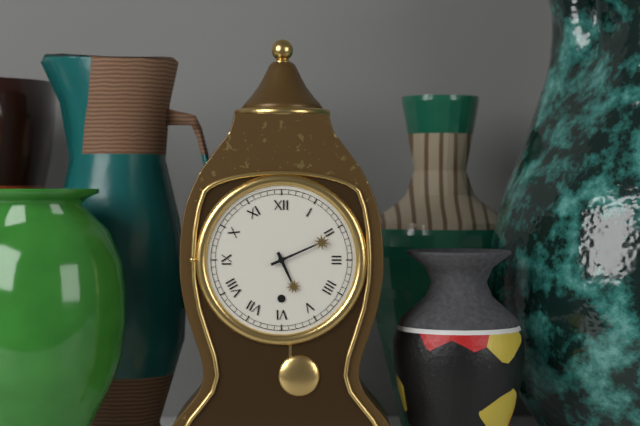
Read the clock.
5:11
